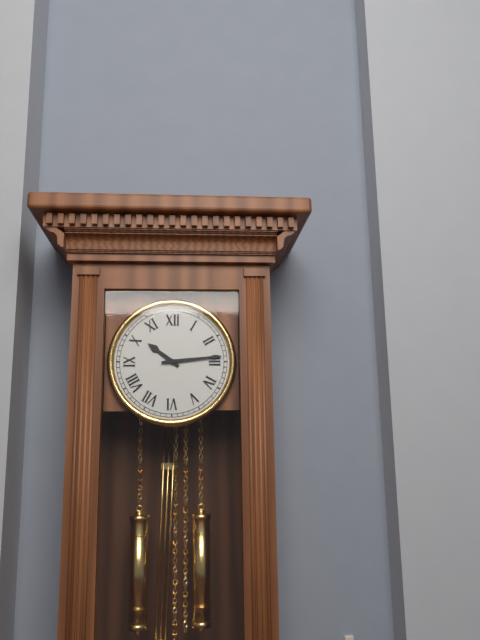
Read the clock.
10:14
